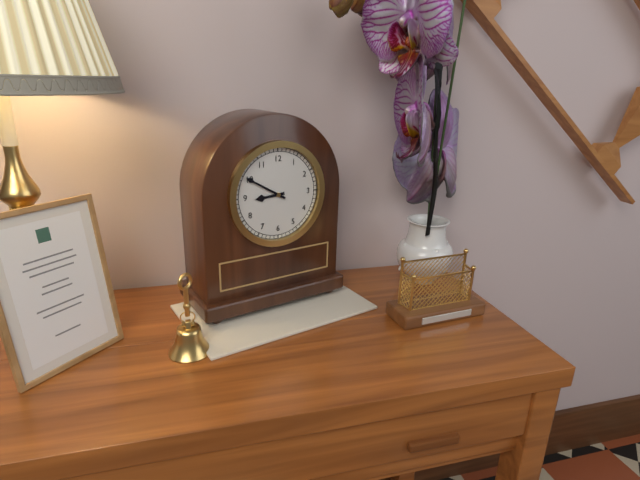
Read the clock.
8:50
